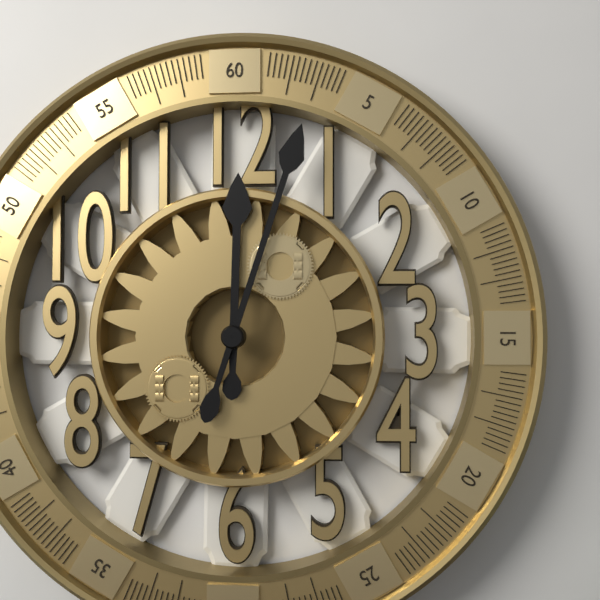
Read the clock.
12:03
